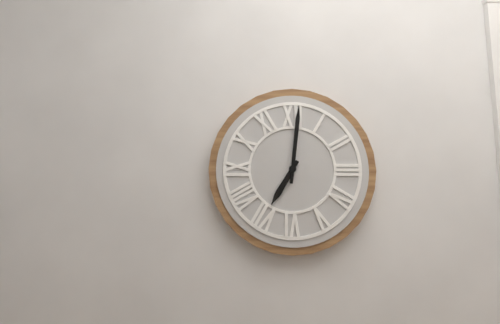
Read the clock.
7:01
